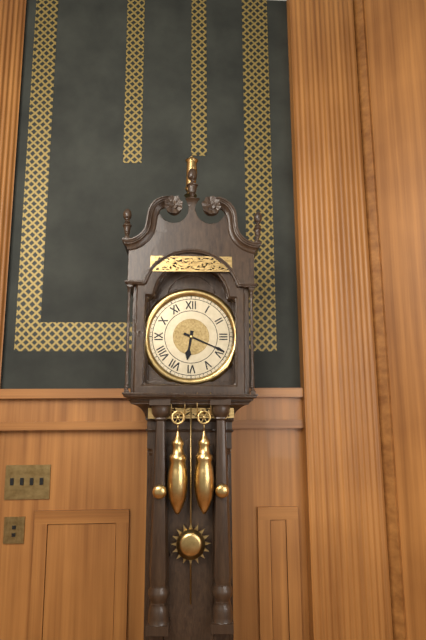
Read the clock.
6:19
